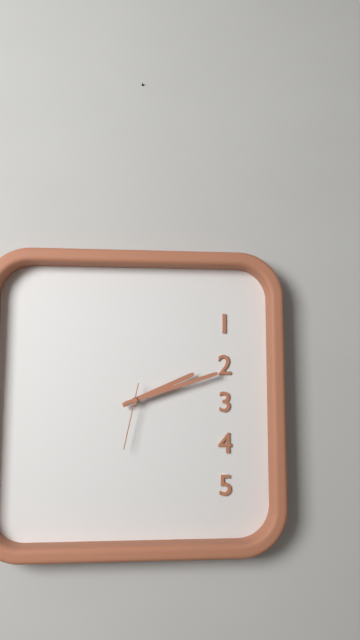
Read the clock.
2:12:32
